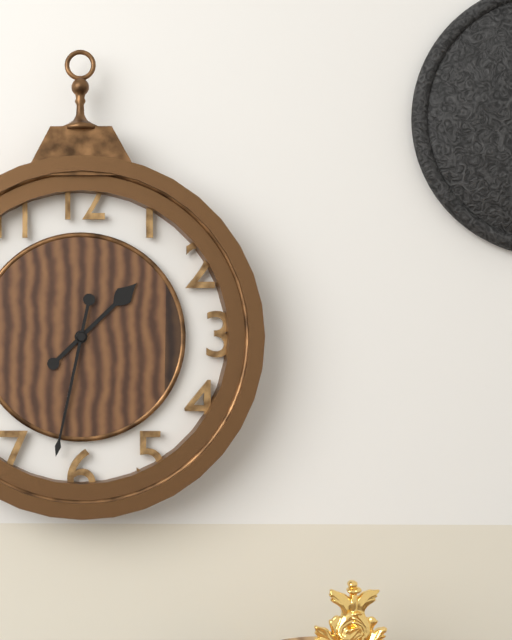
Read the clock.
1:32
